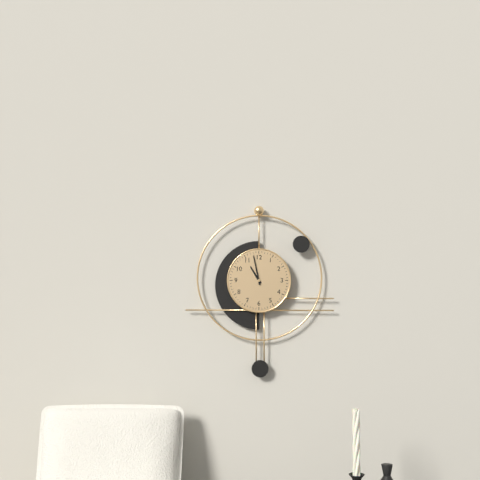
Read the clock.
10:58
